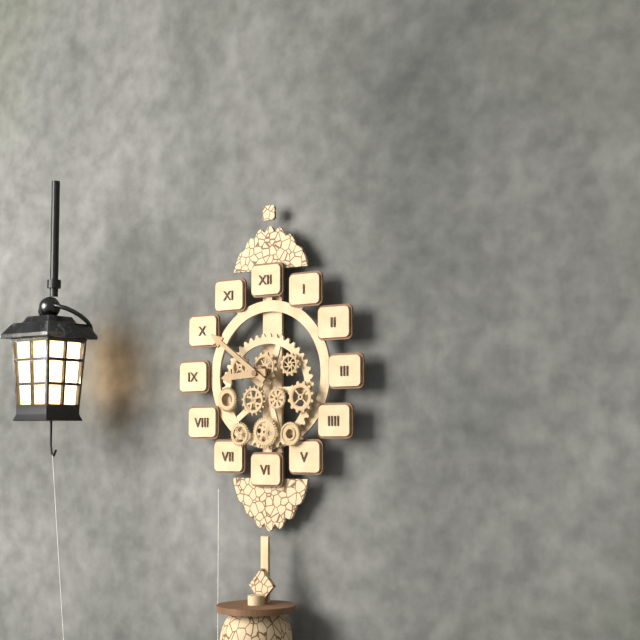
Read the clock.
8:51
